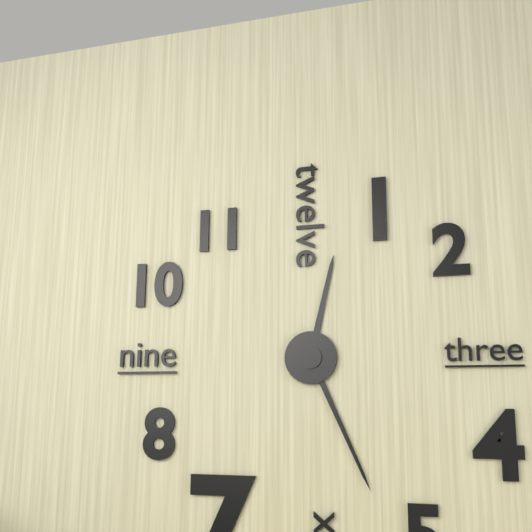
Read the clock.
12:26
